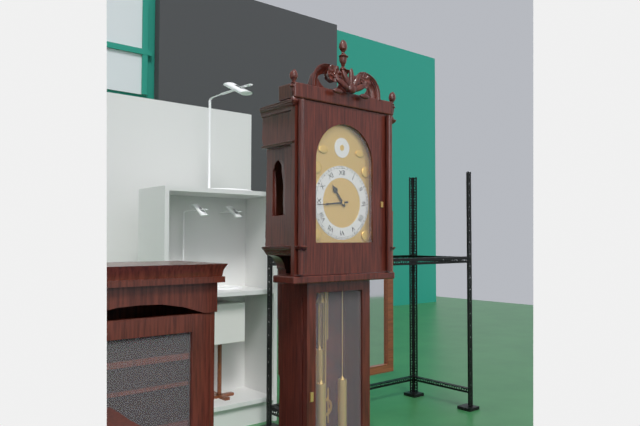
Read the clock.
10:44
